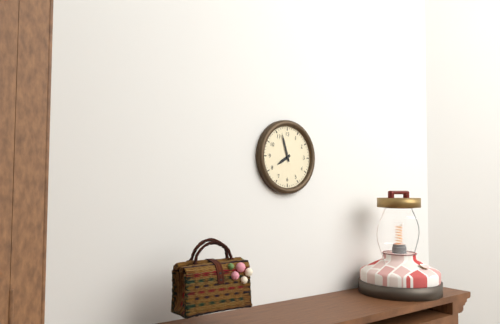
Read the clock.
7:57
